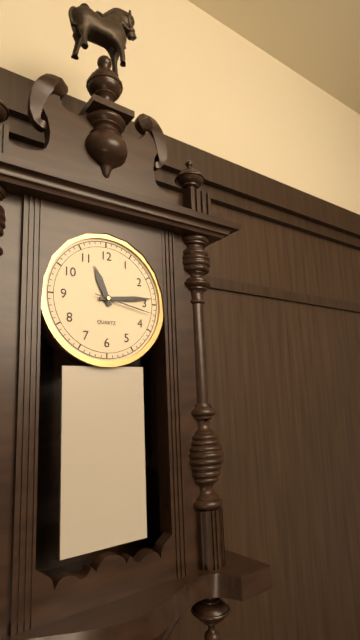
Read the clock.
11:14:17
